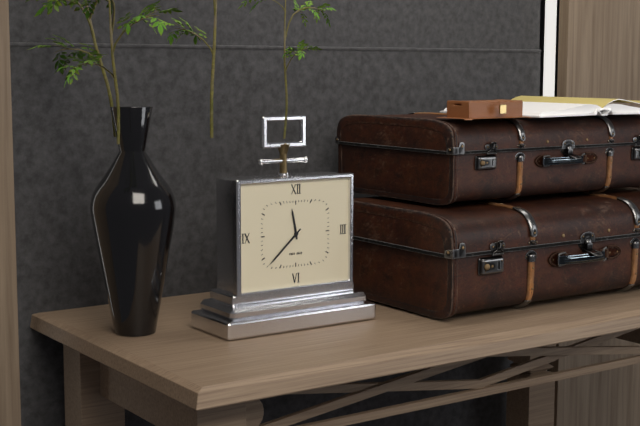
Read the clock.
11:38
